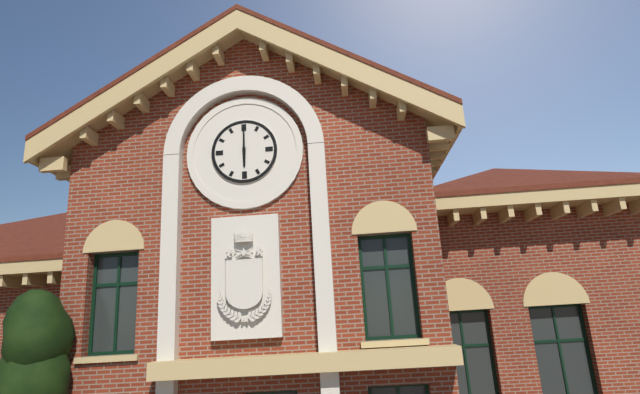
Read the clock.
6:00
